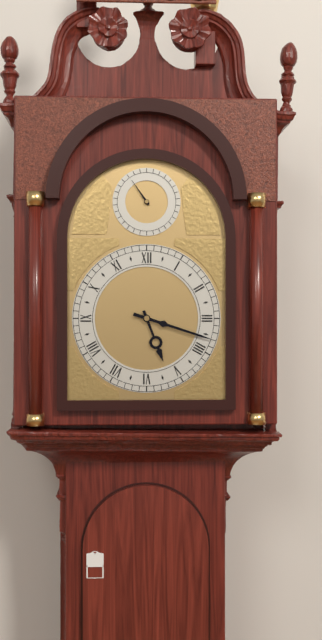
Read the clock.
5:18
